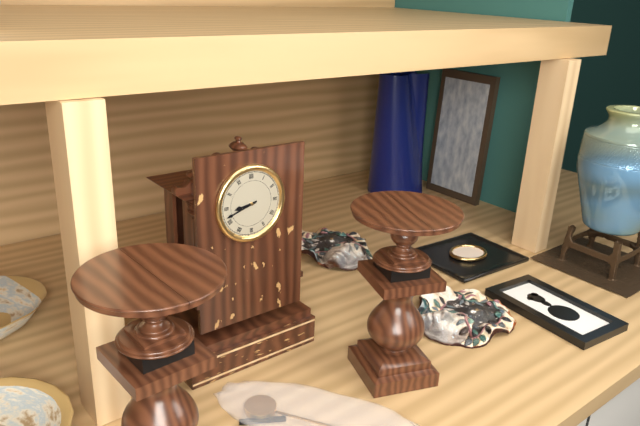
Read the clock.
8:42
